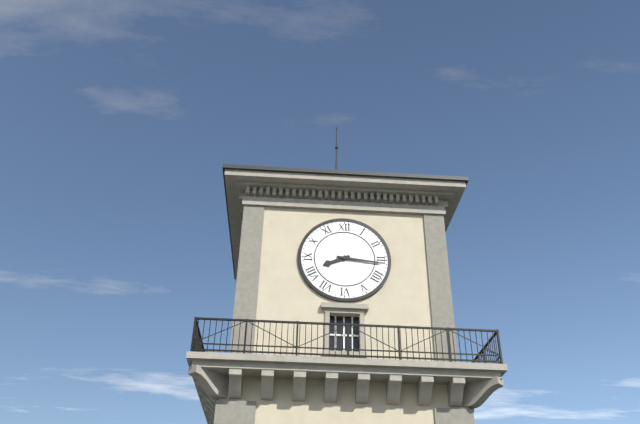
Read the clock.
8:16
